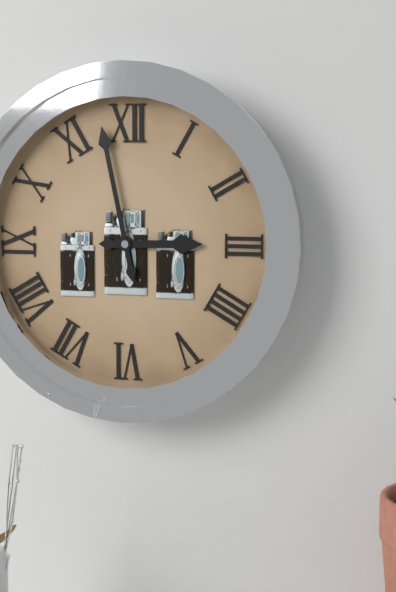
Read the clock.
2:58
